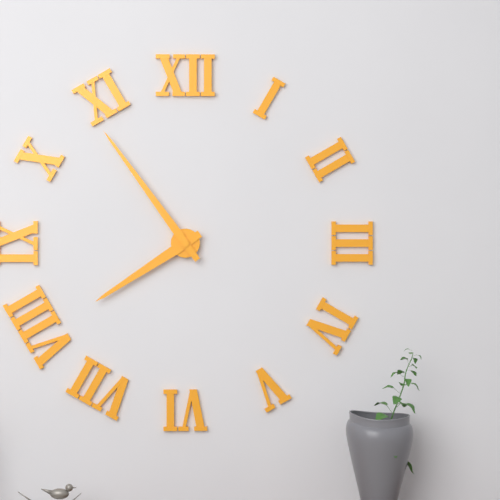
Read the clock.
7:54
